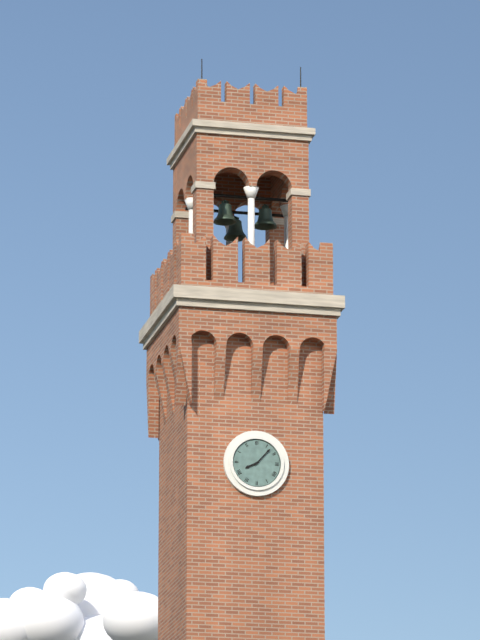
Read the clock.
8:07
